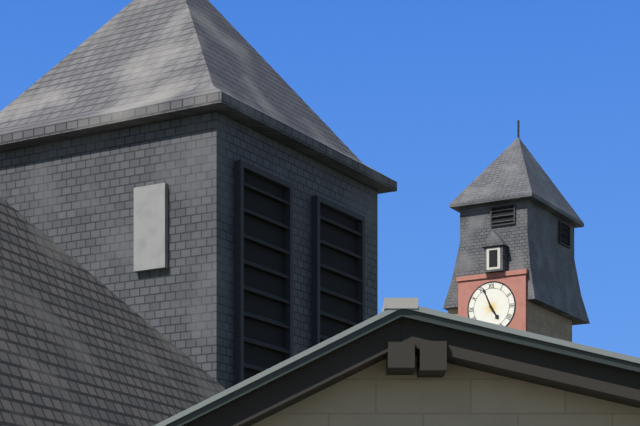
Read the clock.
4:56
